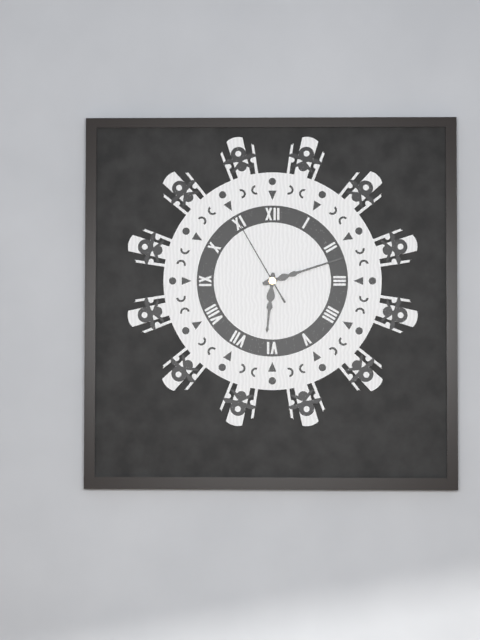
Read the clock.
6:12:55
